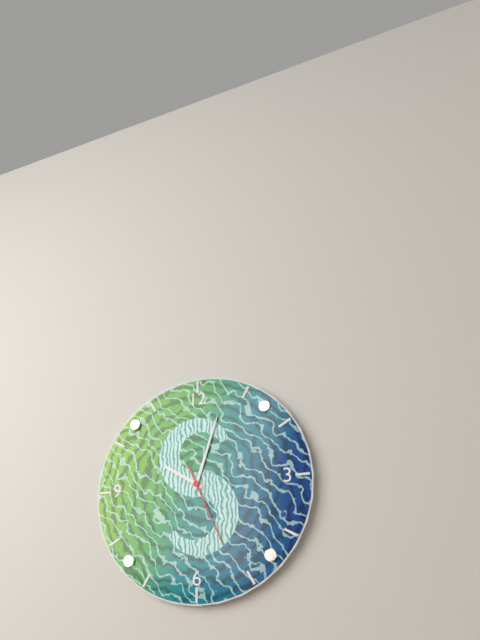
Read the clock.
10:03:26
